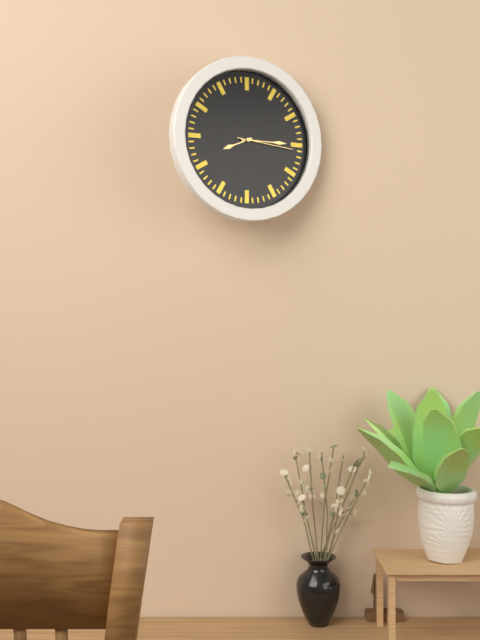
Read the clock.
8:15:16
